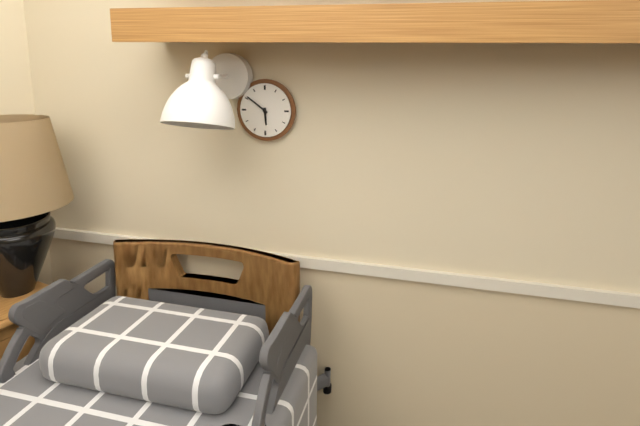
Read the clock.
5:51
